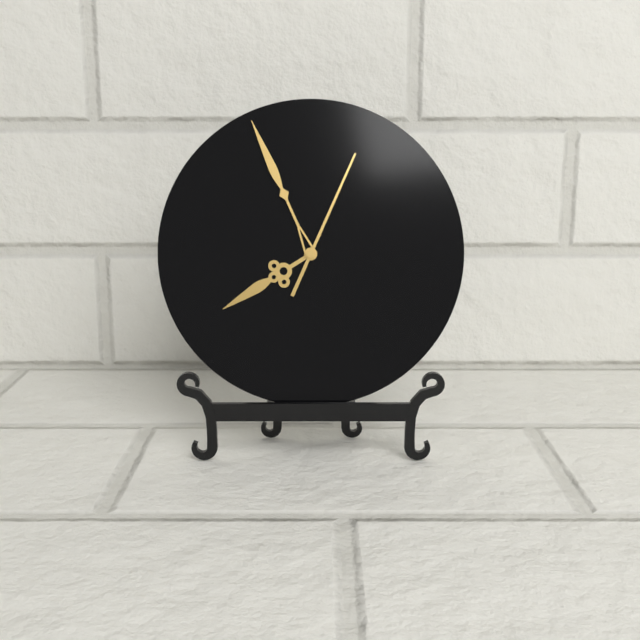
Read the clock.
7:56:04
